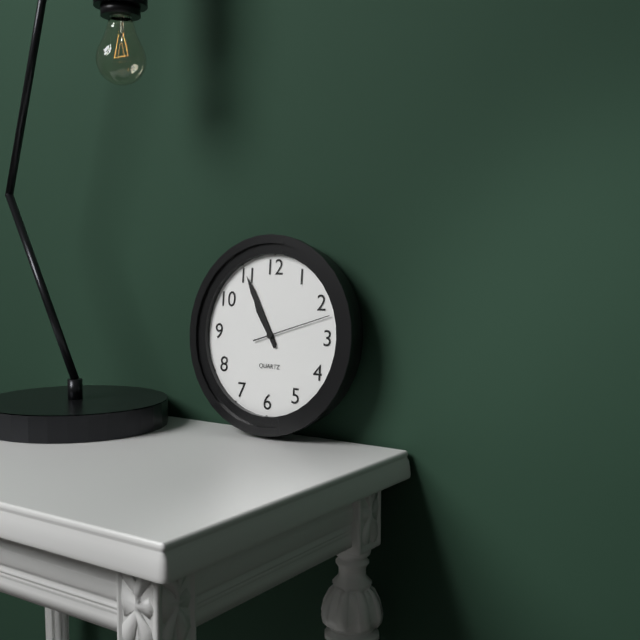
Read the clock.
10:55:12
